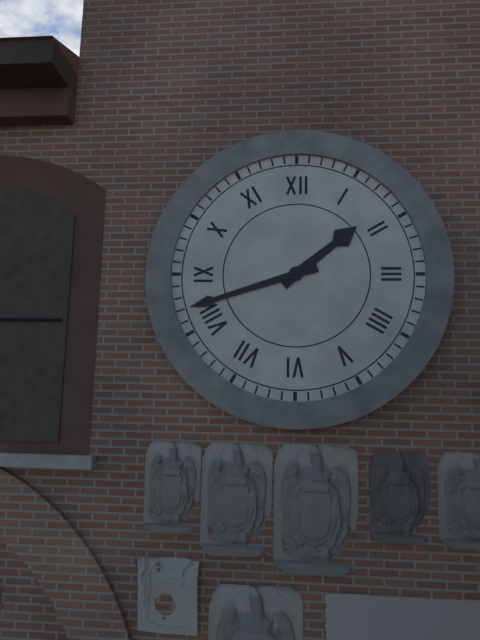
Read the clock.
1:42
